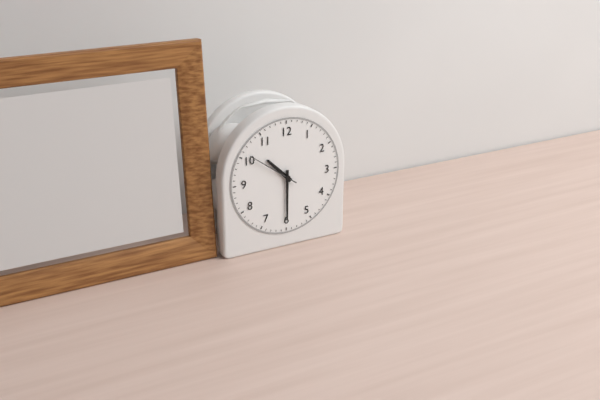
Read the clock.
10:30:51
